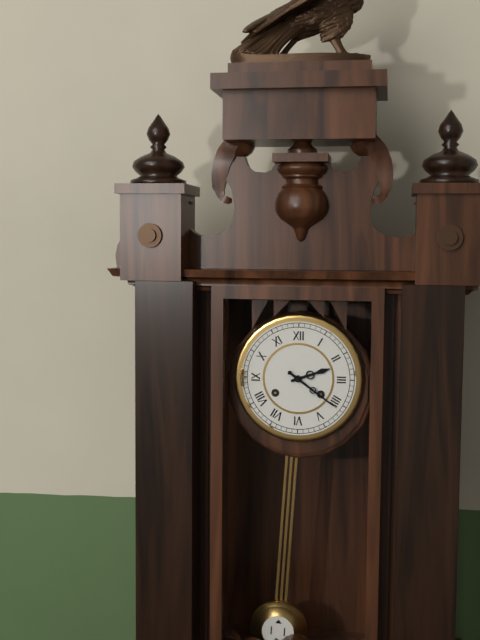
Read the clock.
2:21
